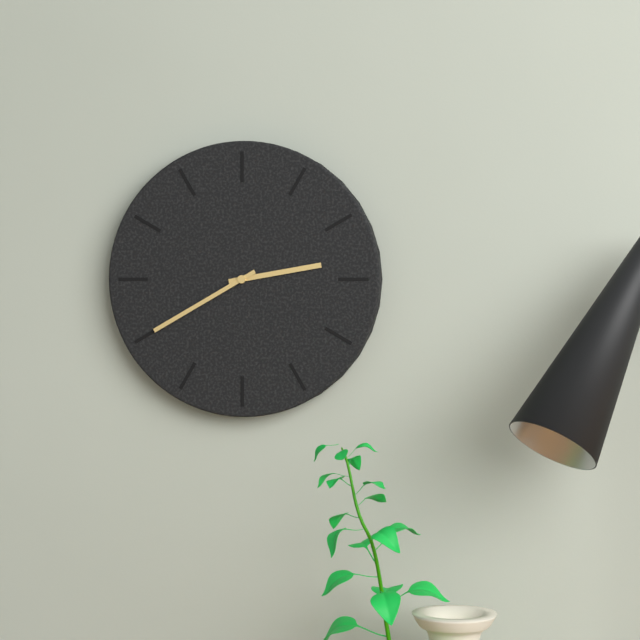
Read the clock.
2:40
